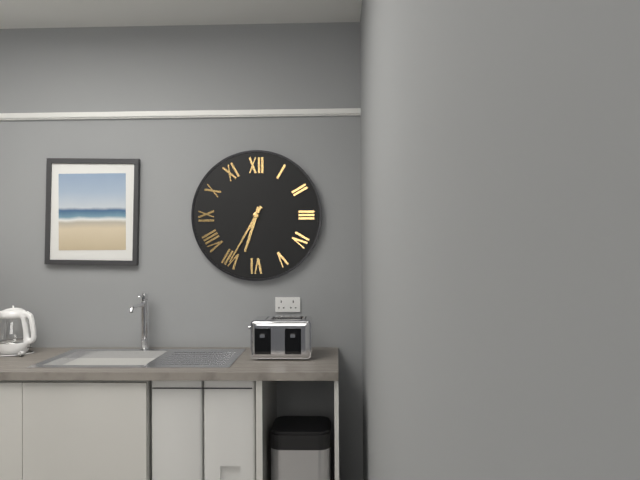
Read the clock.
6:35
